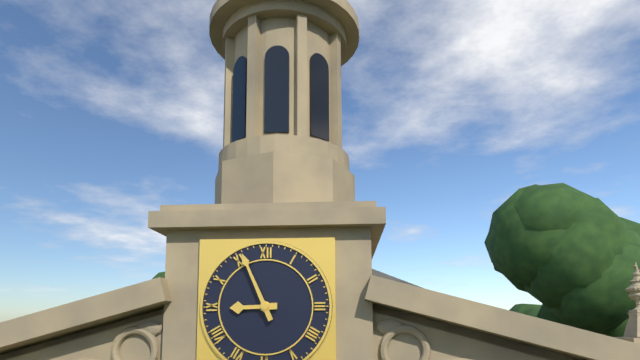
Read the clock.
8:56
